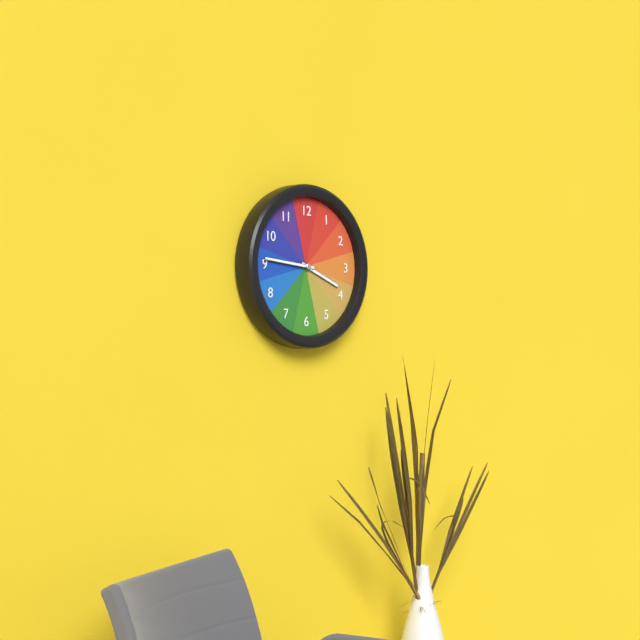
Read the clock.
3:46
